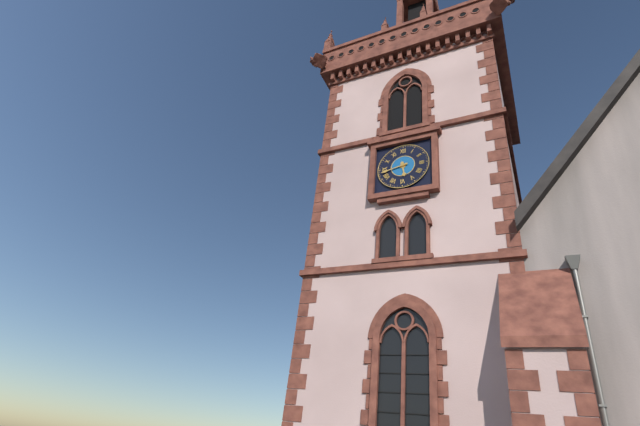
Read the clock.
5:43
